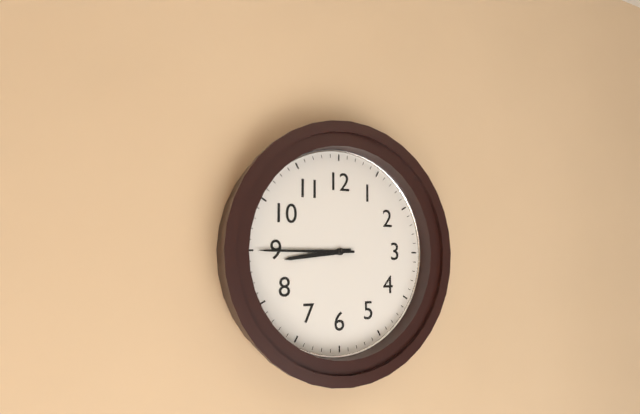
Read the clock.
8:45
